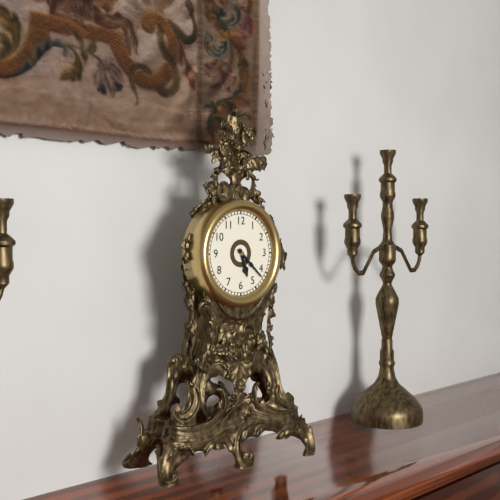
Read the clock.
5:22
